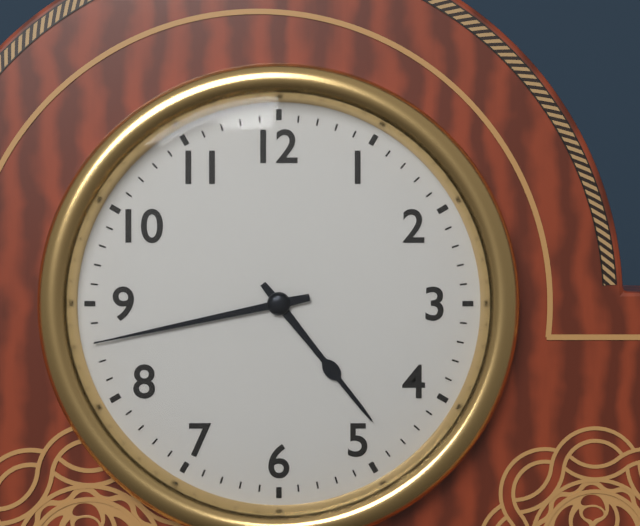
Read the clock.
4:43
